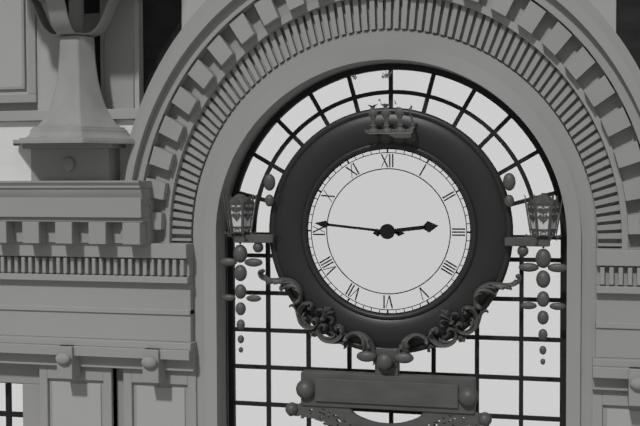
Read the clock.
2:46
